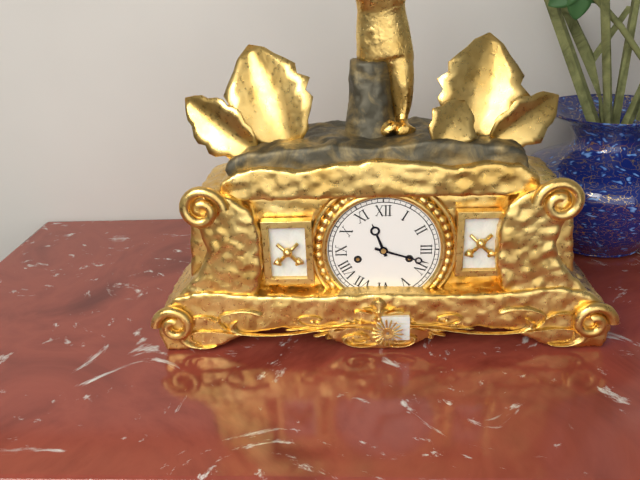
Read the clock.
11:18
